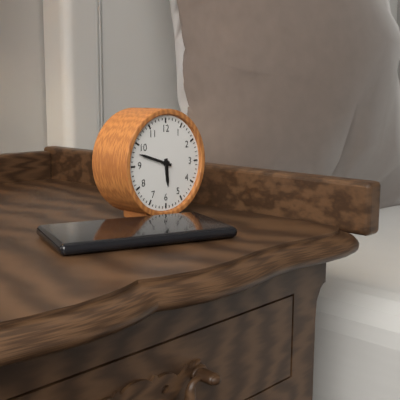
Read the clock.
5:48
